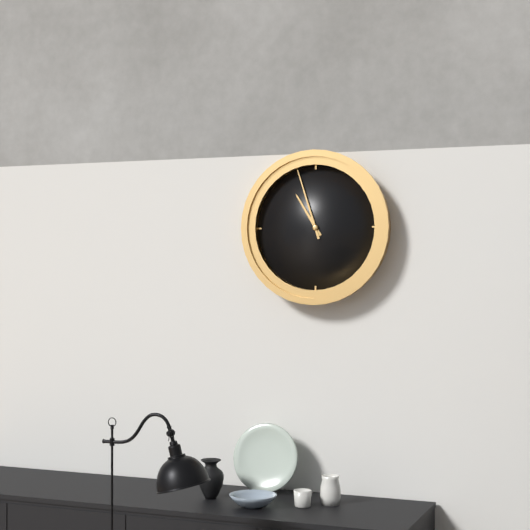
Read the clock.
10:57
